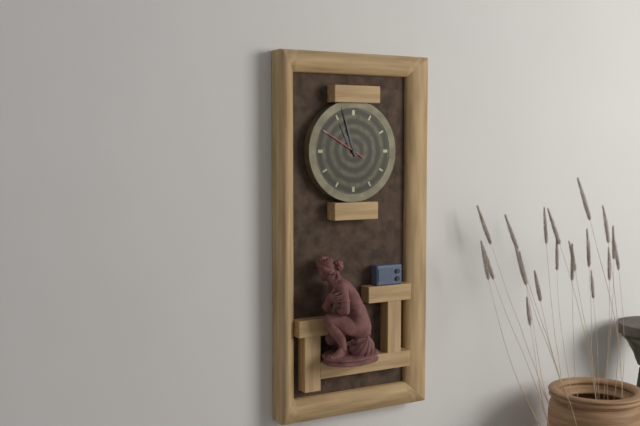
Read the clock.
10:57
